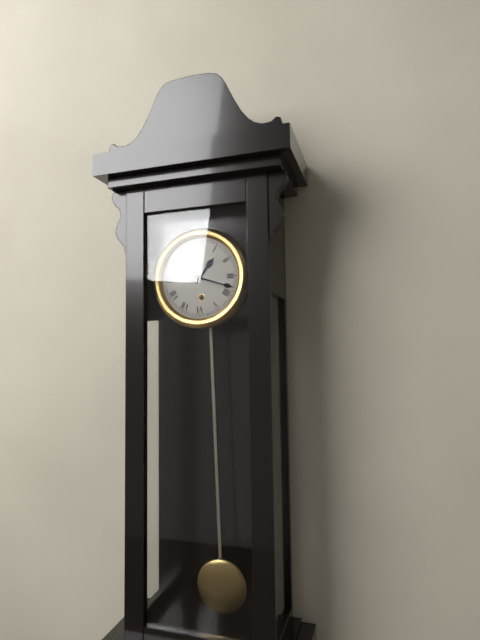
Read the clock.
1:18
